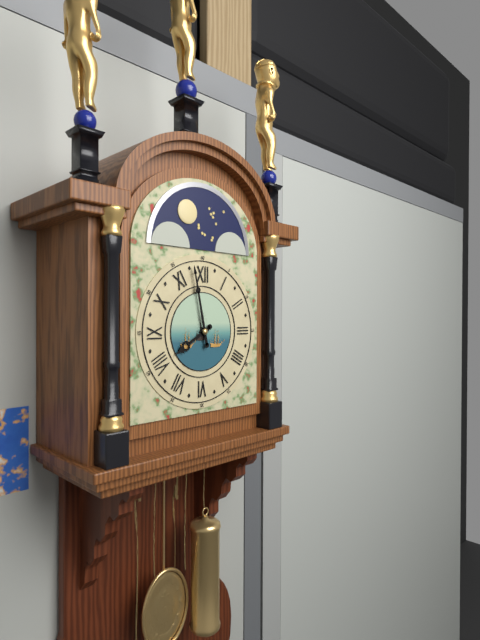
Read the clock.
7:58
